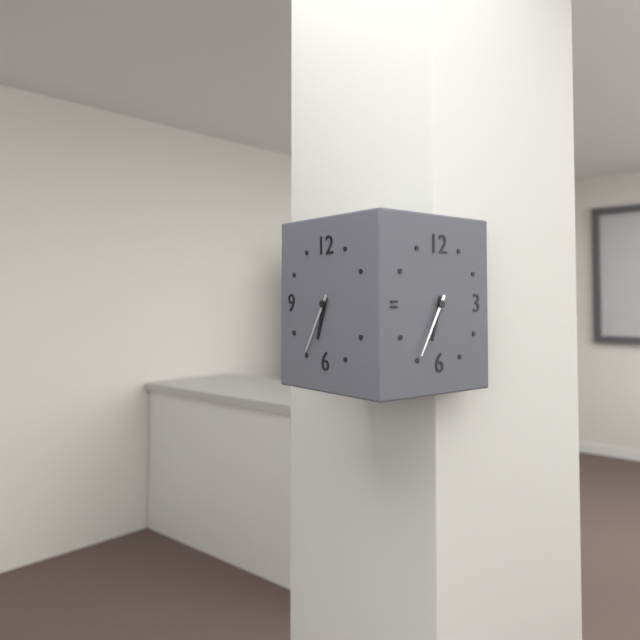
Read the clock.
6:35
